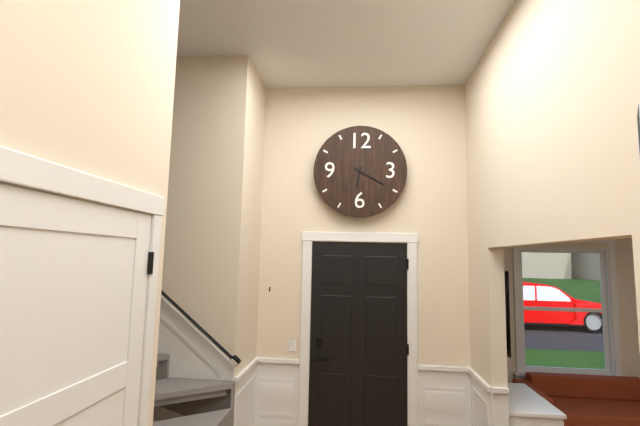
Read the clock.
6:20
